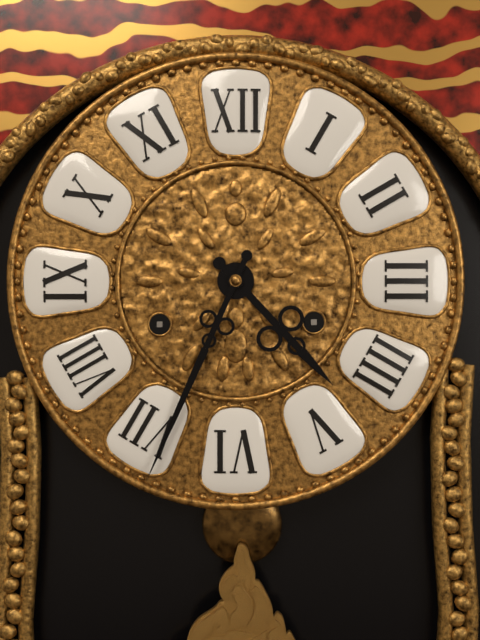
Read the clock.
4:34
